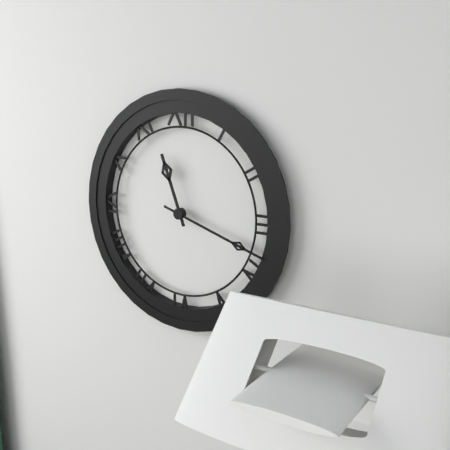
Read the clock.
11:18
